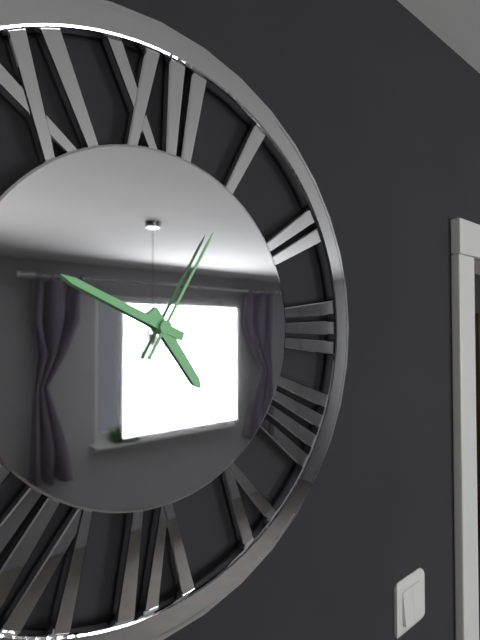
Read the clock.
4:49:05
